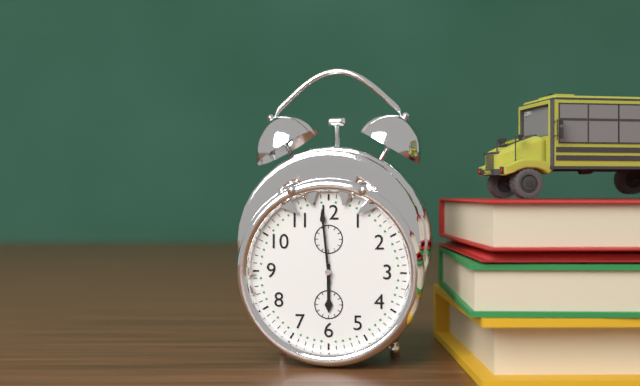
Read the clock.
5:59
